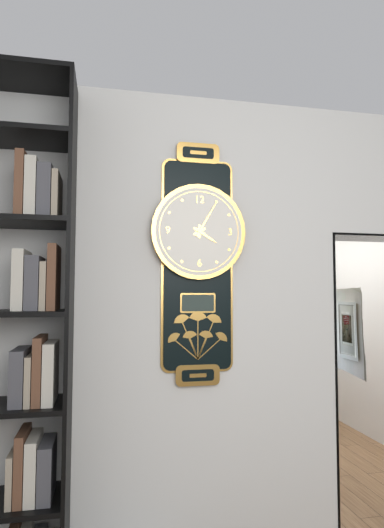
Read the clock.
4:05
